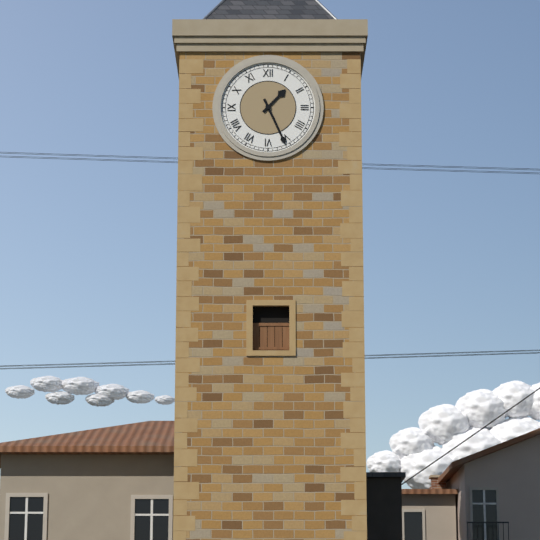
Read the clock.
1:26
